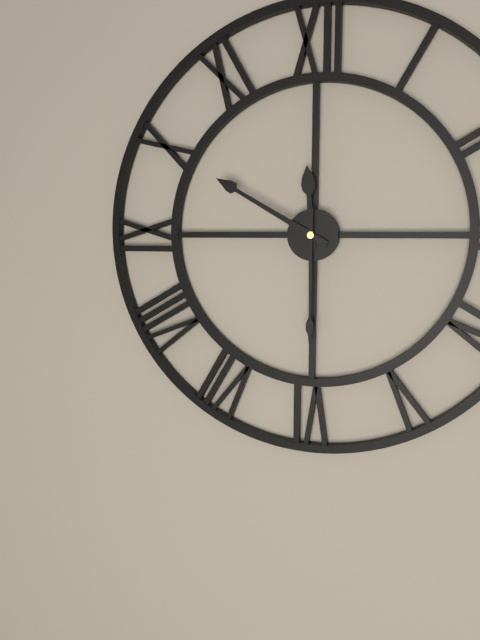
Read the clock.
11:50:30
